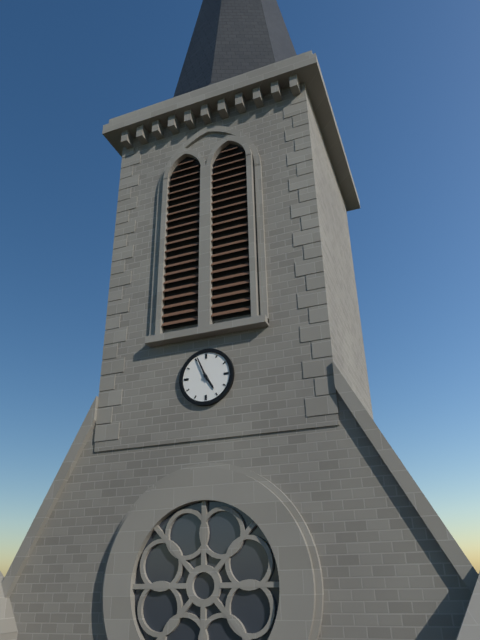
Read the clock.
4:56
